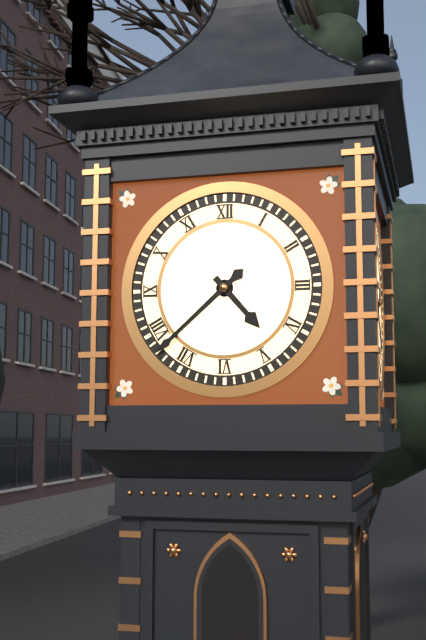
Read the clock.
4:38
